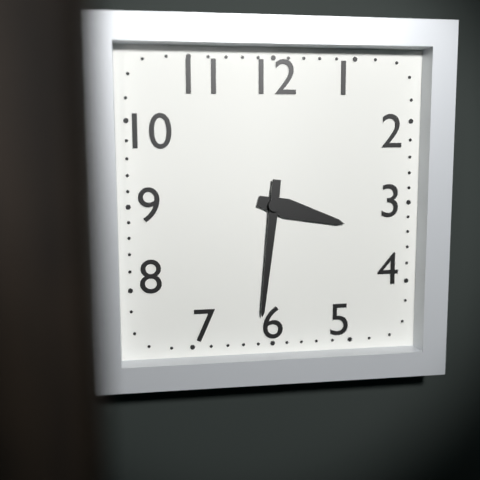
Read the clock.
3:31
